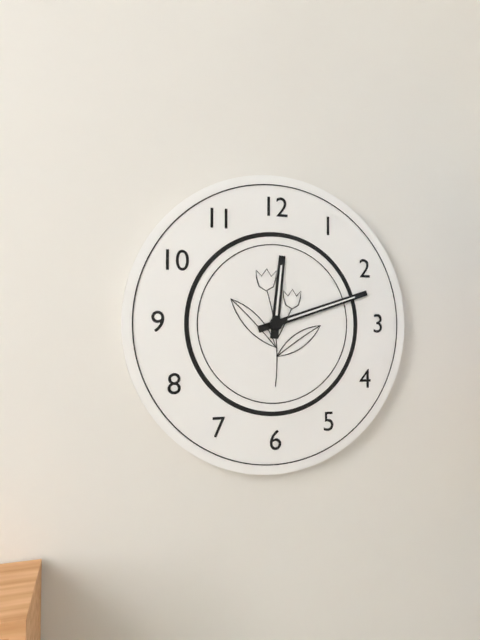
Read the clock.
12:12
